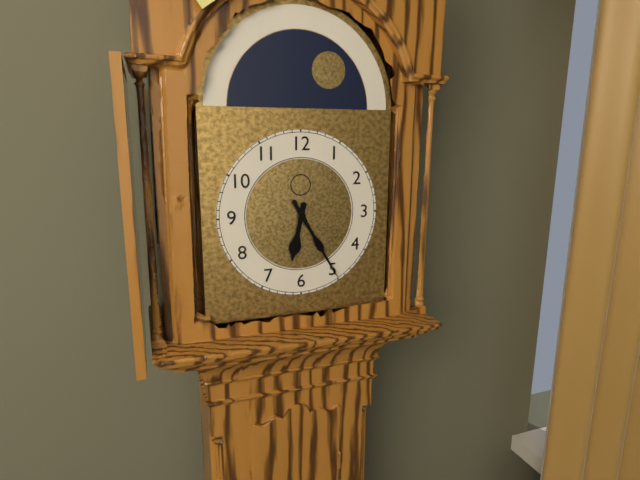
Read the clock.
6:25
